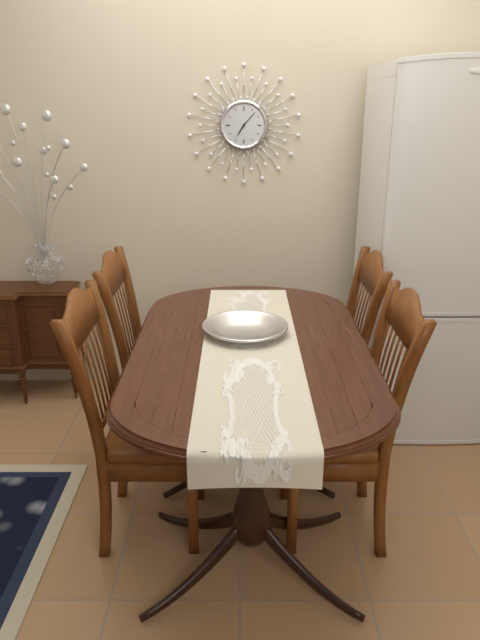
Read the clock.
7:07
